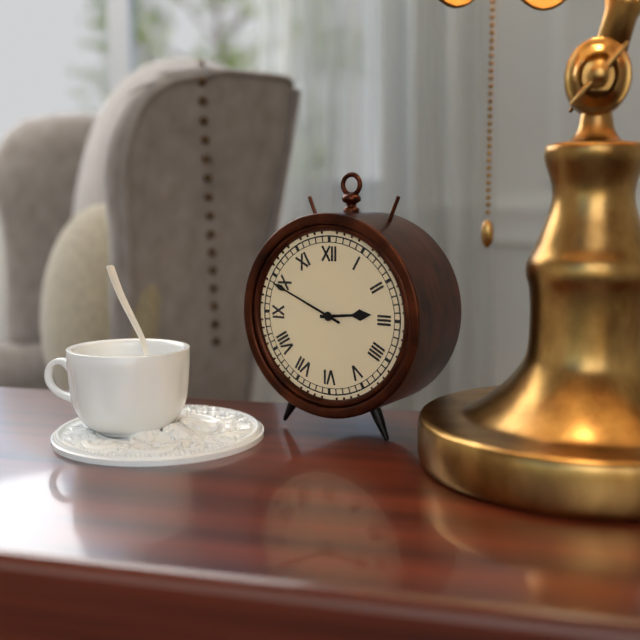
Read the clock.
2:49
